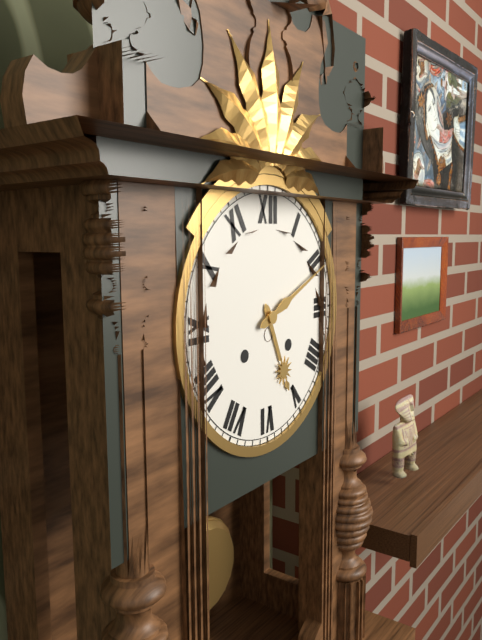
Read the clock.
5:11
